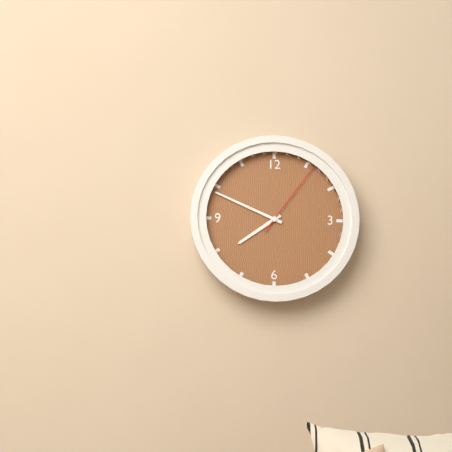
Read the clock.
7:49:06
